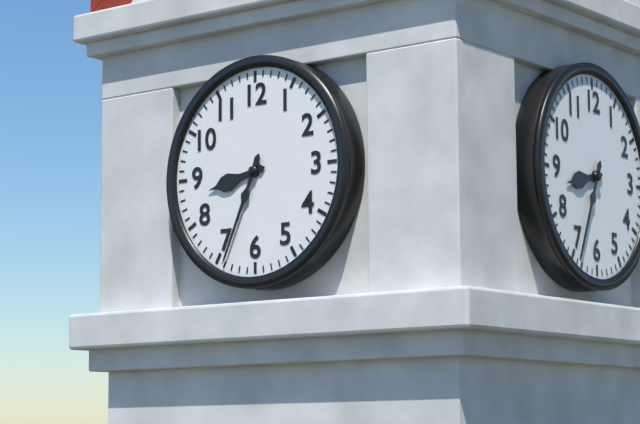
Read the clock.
8:34
